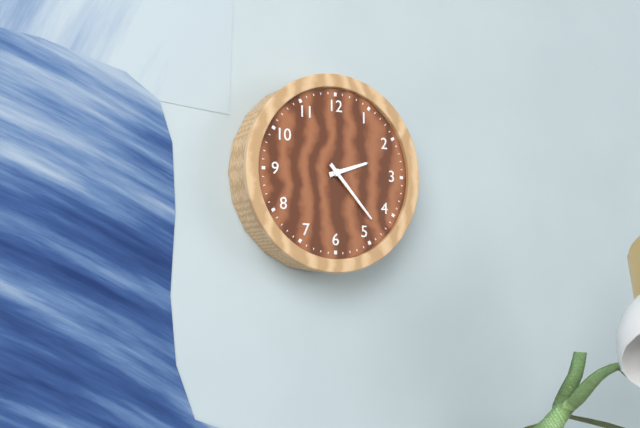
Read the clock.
2:23
